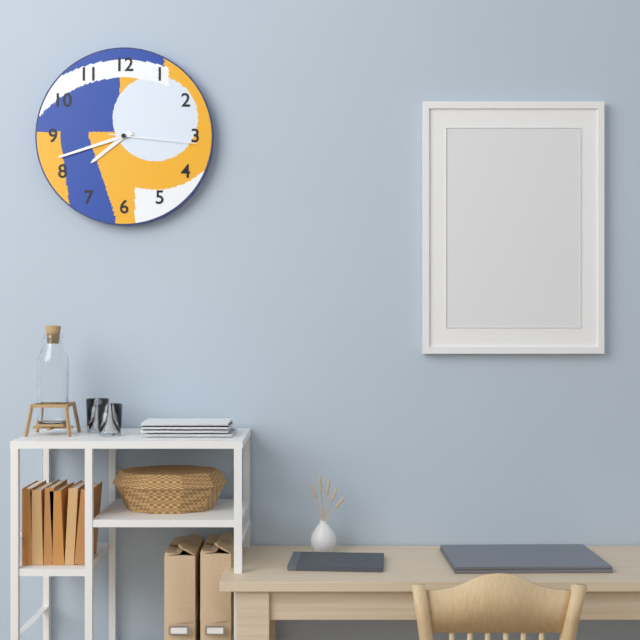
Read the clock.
7:42:16
